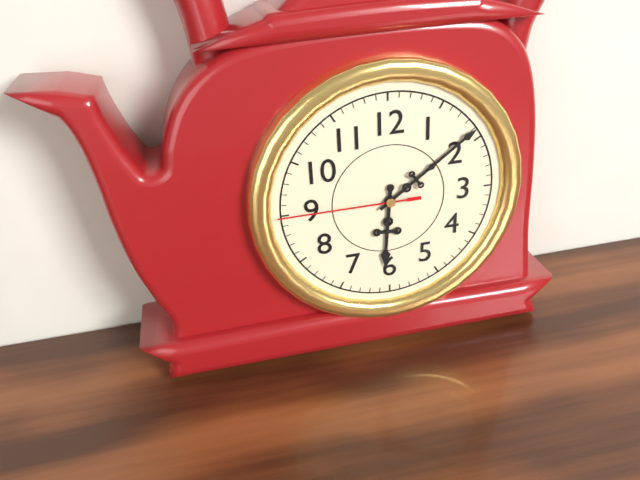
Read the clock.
6:09:45
